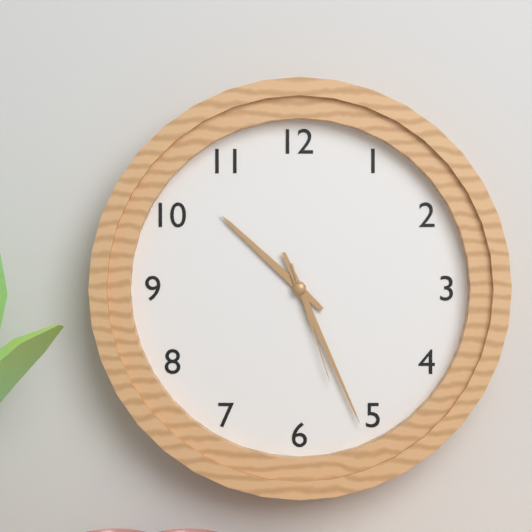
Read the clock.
10:26:27
